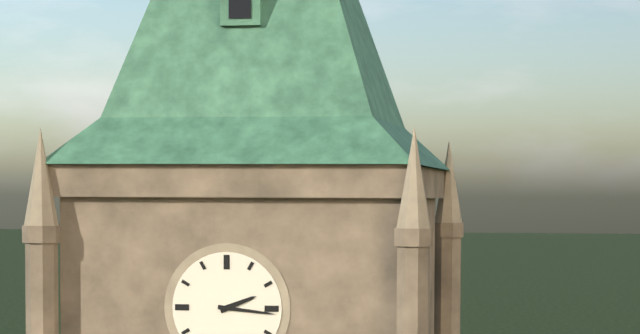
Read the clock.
2:16
